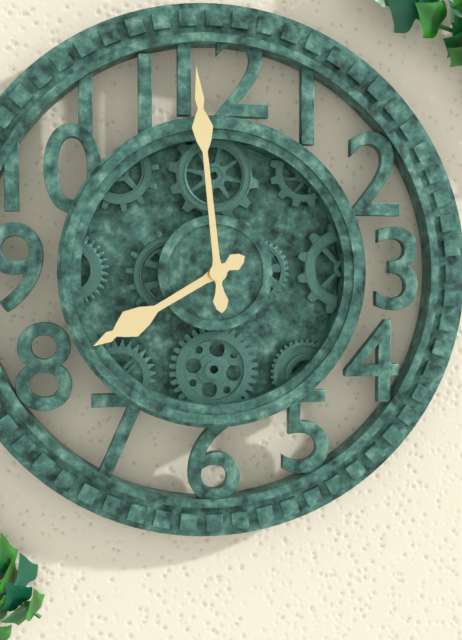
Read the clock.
7:59
